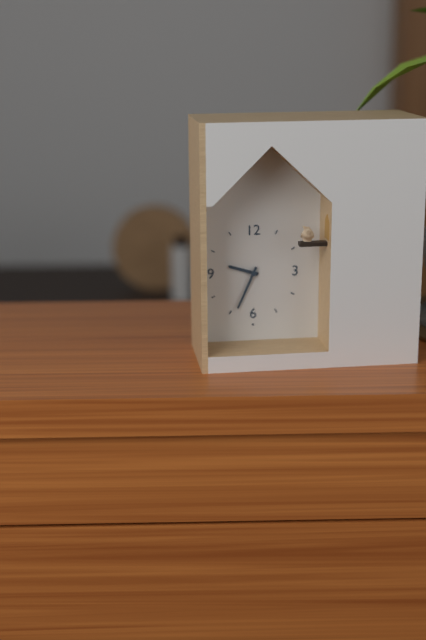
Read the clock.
9:34
